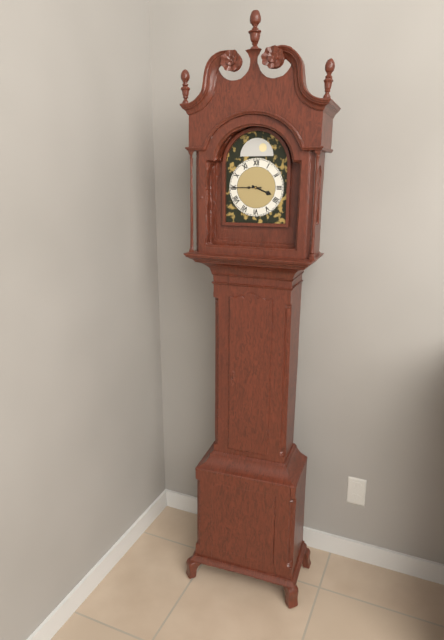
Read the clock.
3:45
